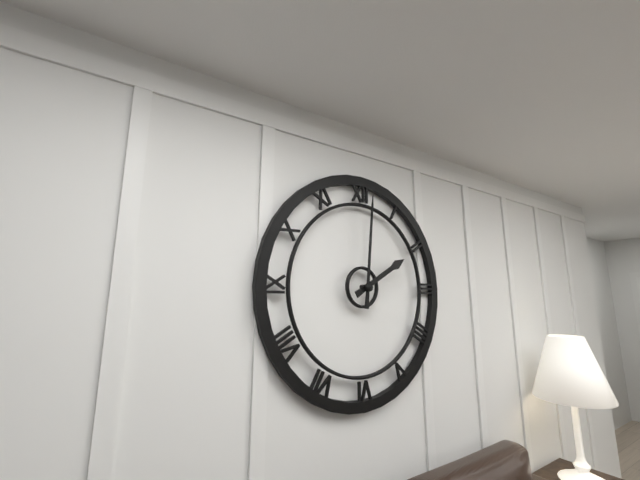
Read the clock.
2:01
